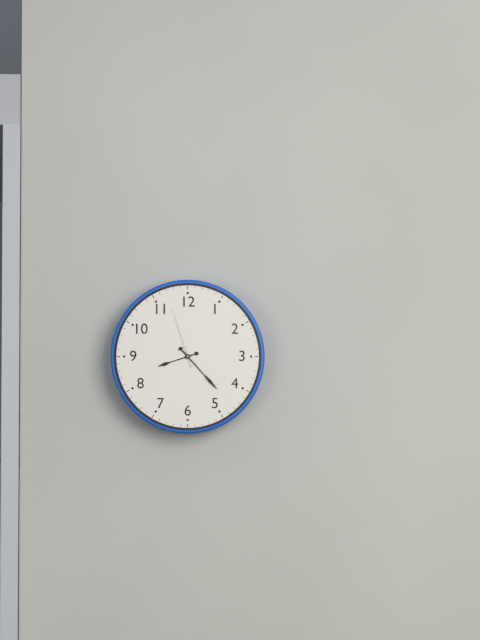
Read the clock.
8:23:57
